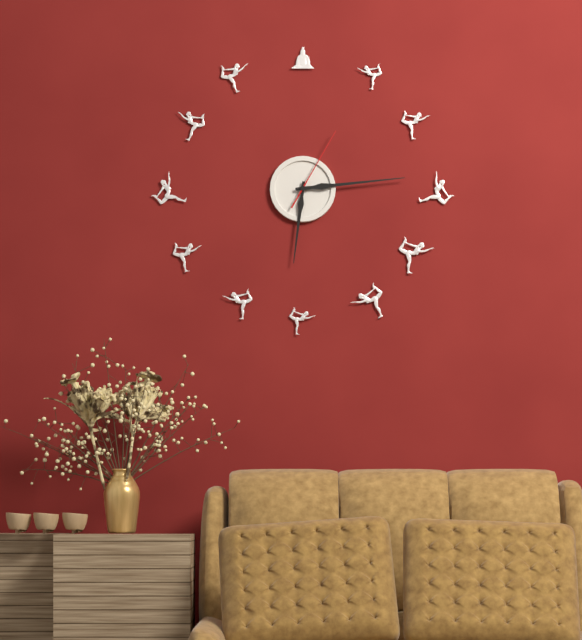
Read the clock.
6:14:05
